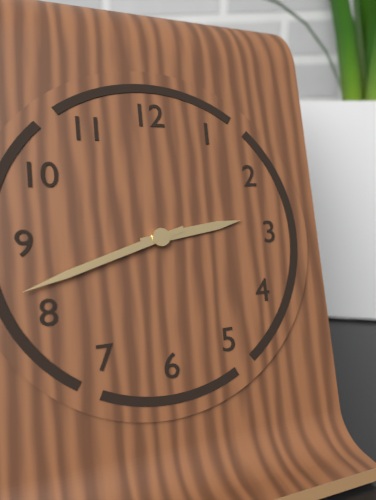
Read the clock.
2:42
